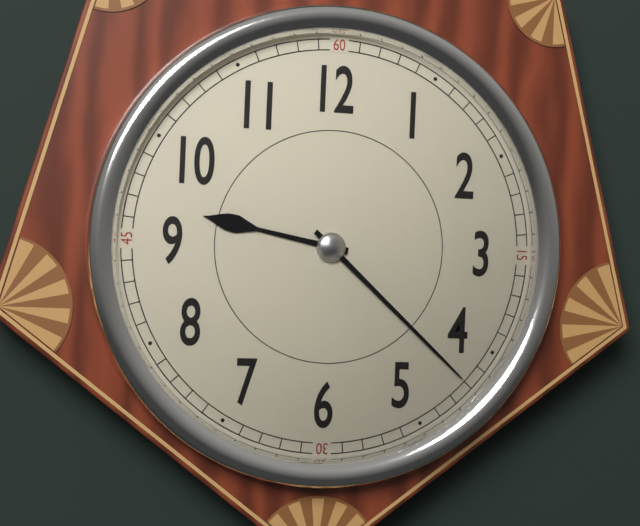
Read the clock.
9:22
